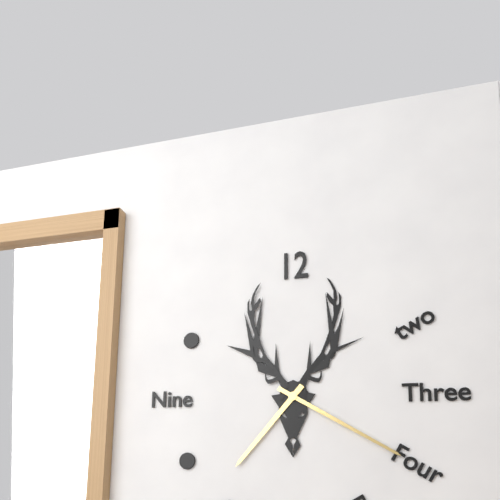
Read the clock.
7:20
